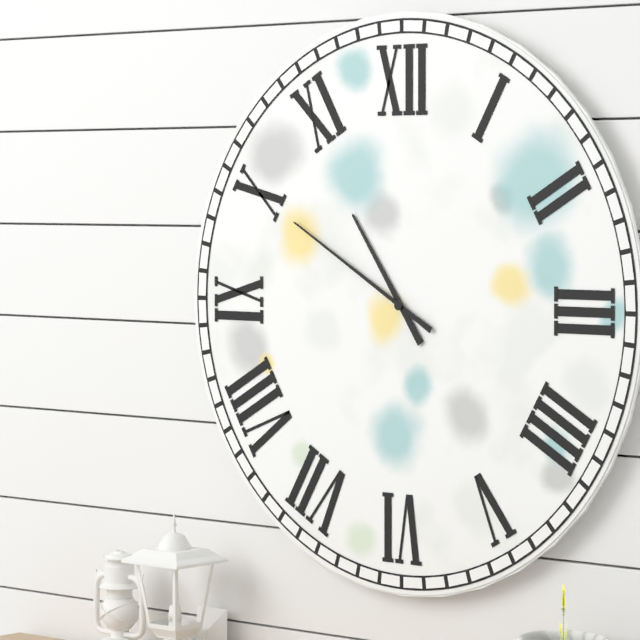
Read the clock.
10:50
